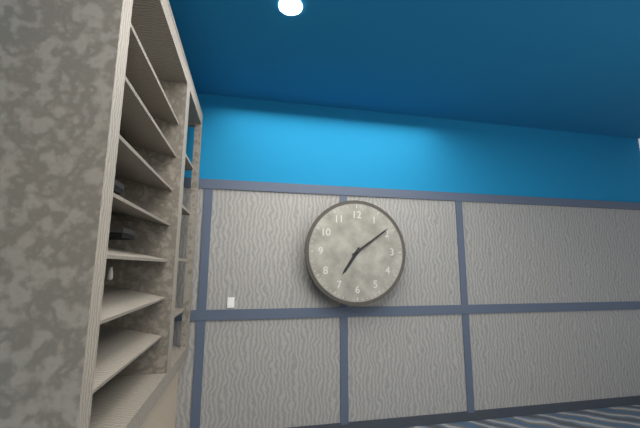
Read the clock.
7:09
